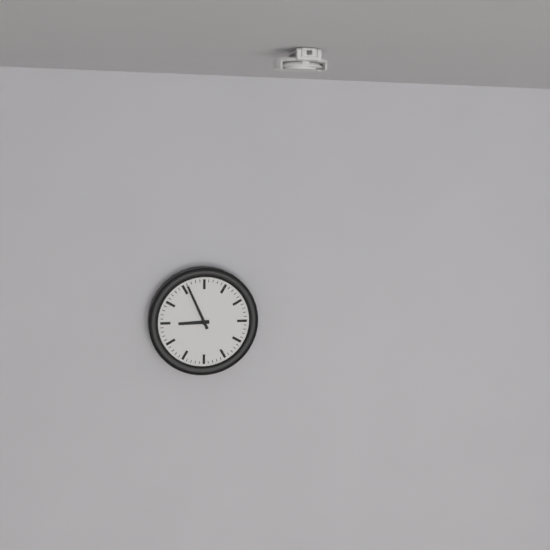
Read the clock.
8:56
